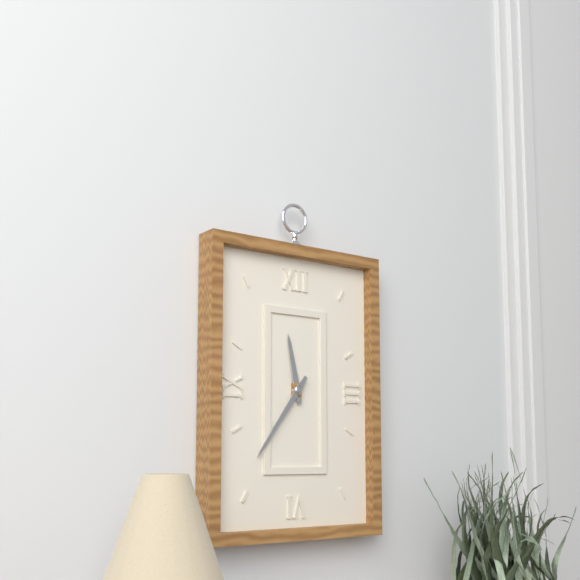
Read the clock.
11:36
